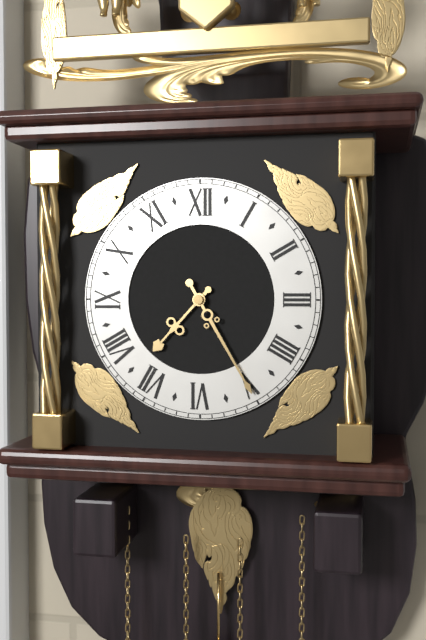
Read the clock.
7:25
